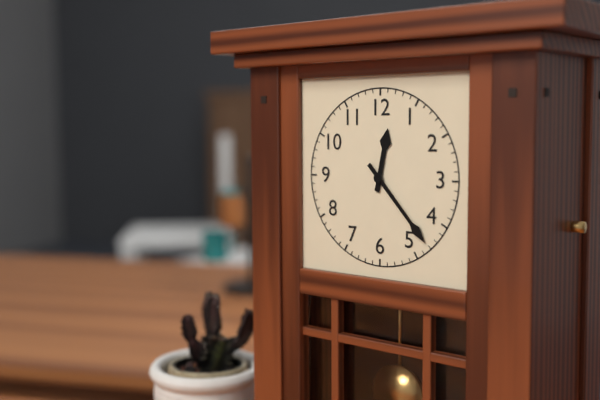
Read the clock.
12:23
